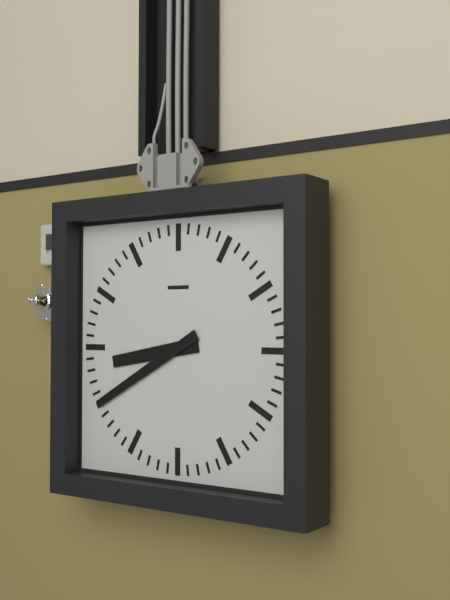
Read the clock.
8:40
